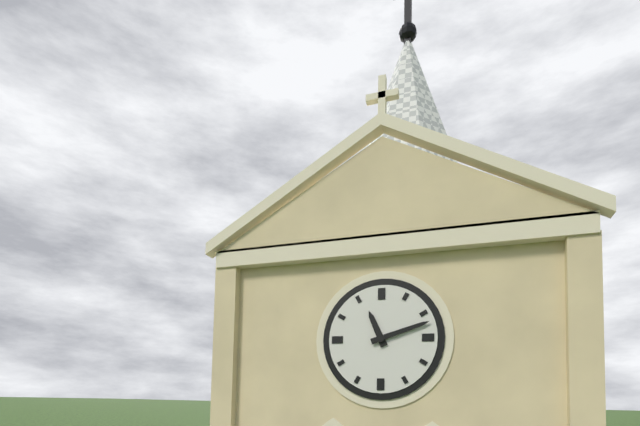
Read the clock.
11:12
